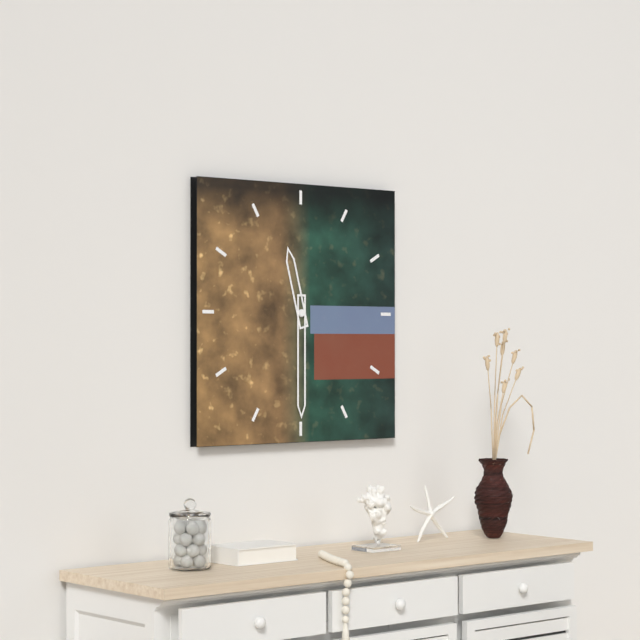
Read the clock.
11:30
